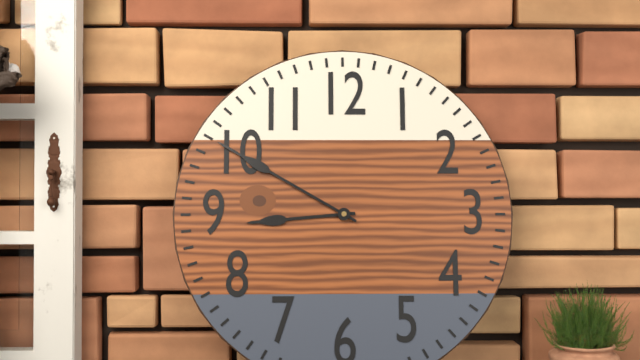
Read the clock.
8:50
